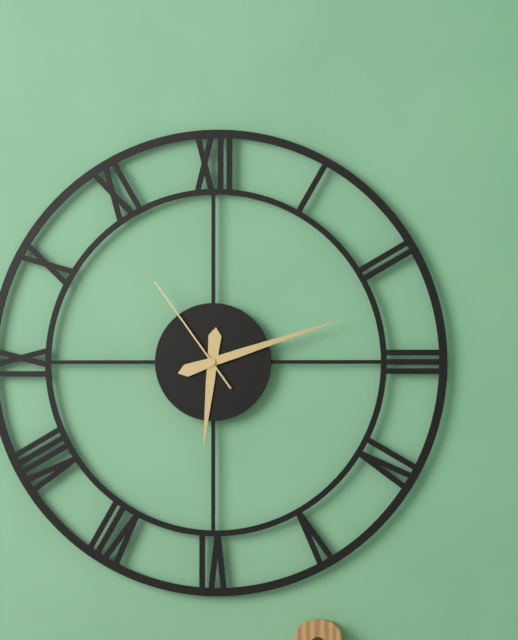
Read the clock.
6:12:54
